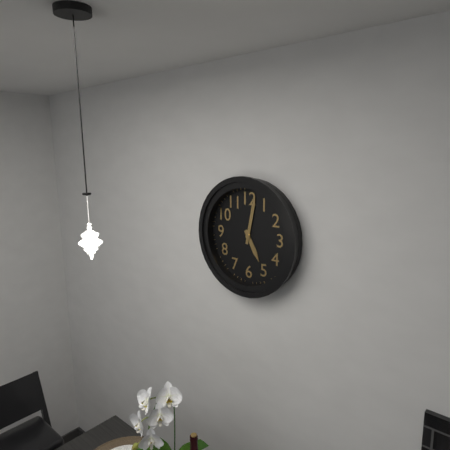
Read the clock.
5:02
